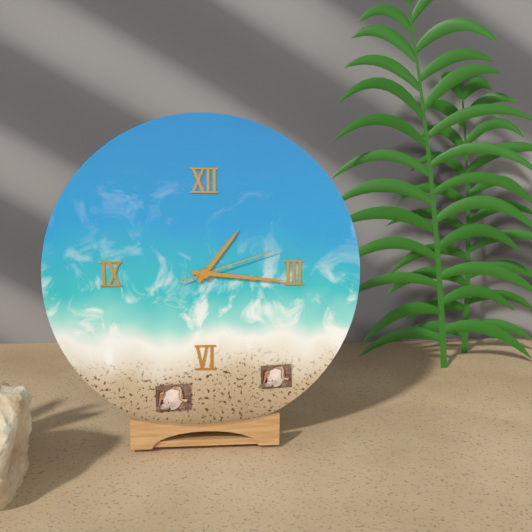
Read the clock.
1:16:12
